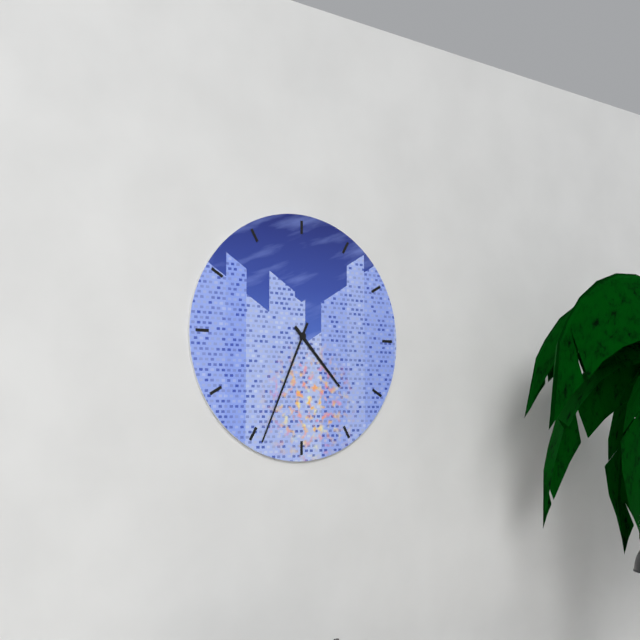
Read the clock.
4:34
